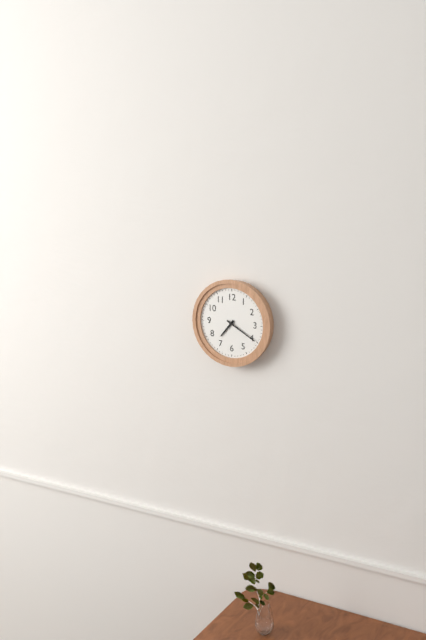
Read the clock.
7:20
